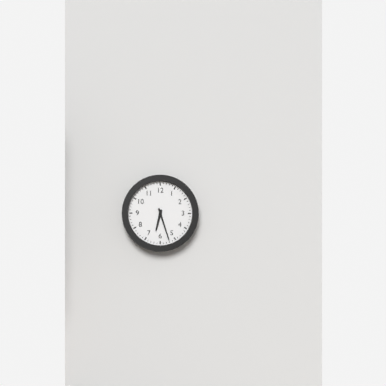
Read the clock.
6:27
